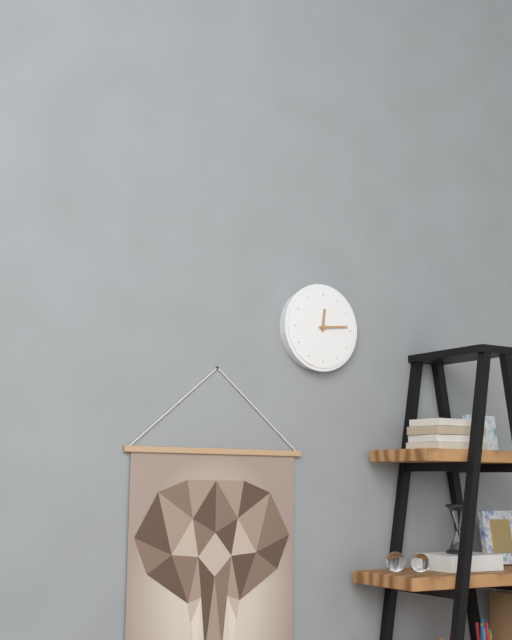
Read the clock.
12:14
